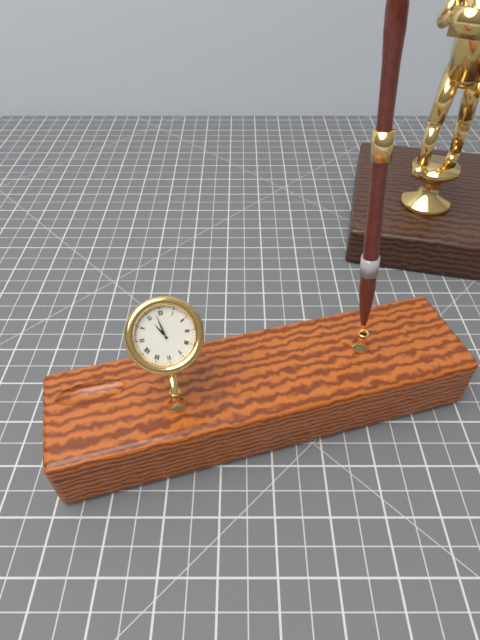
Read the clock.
10:58
